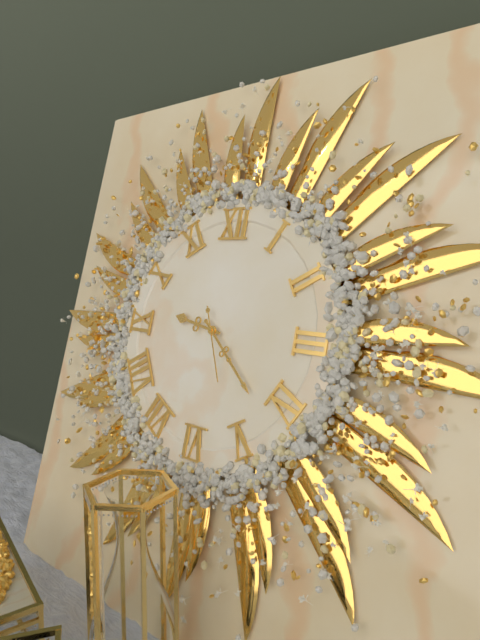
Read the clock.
9:22:26
